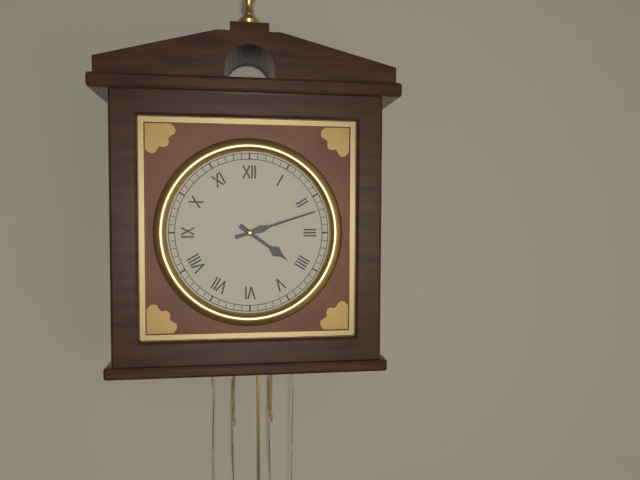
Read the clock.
4:12
